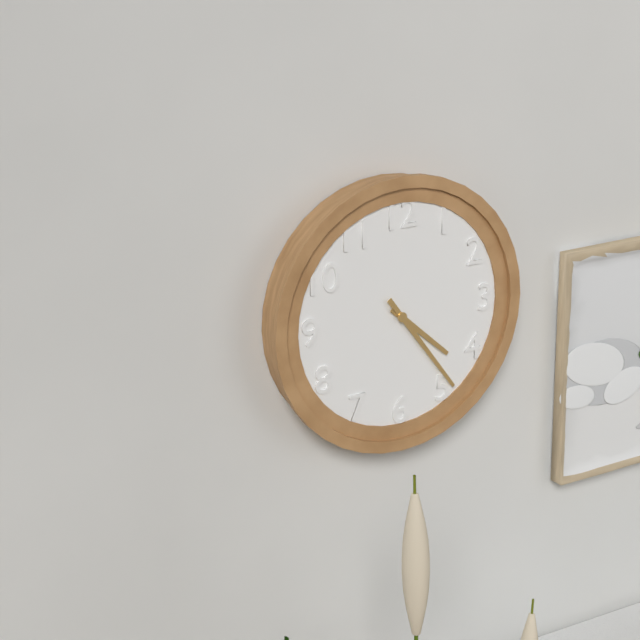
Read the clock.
4:24
